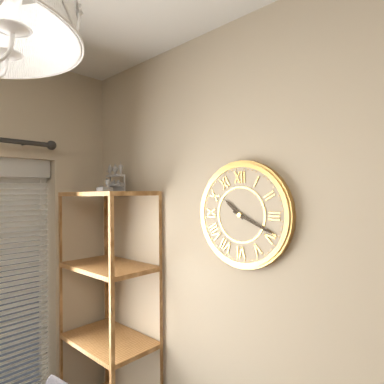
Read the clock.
10:19
